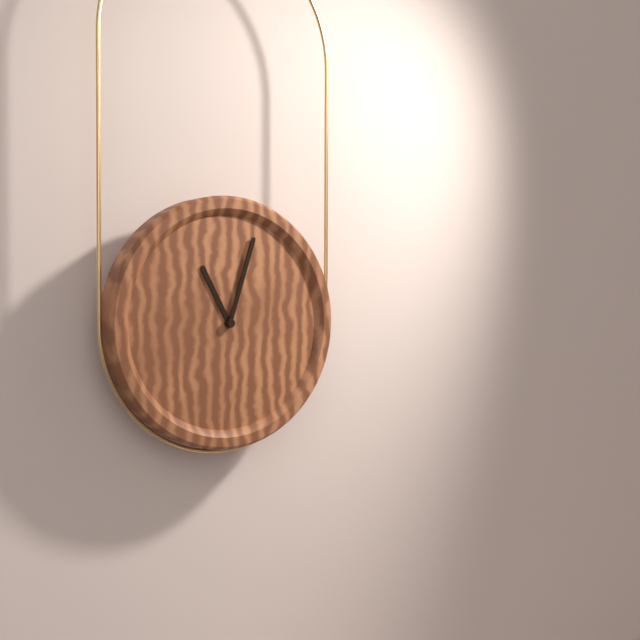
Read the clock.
11:03
